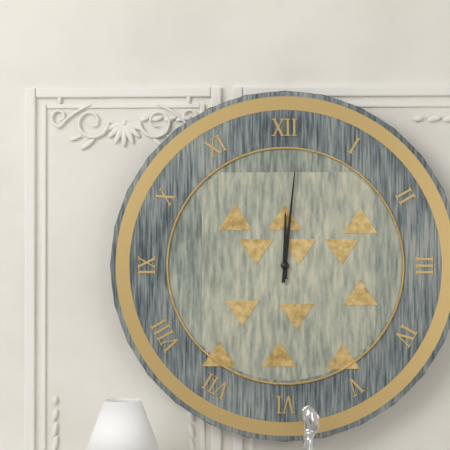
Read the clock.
12:01
